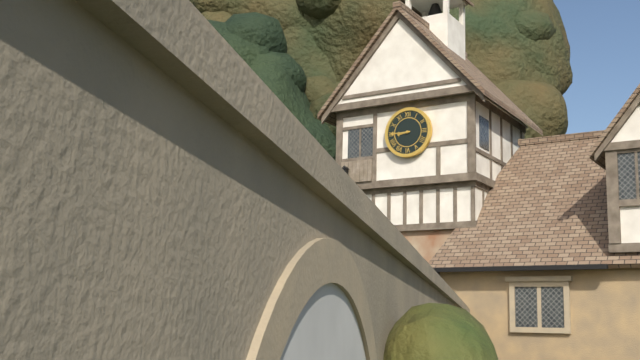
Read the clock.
8:45
